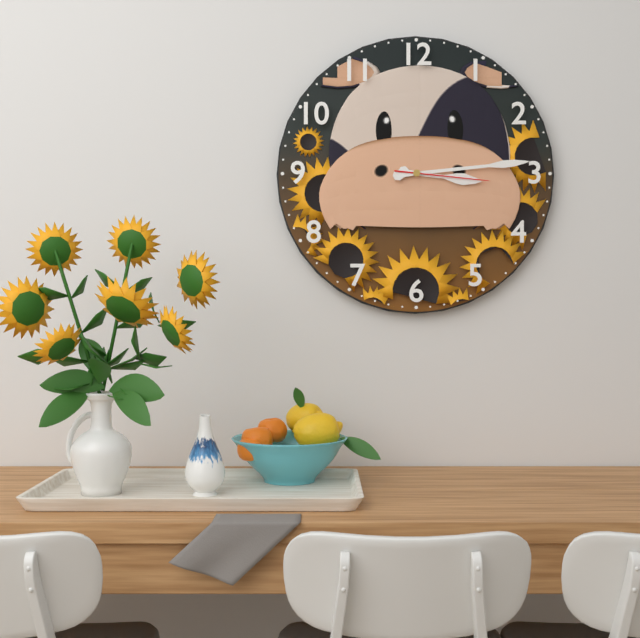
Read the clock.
3:14:16
